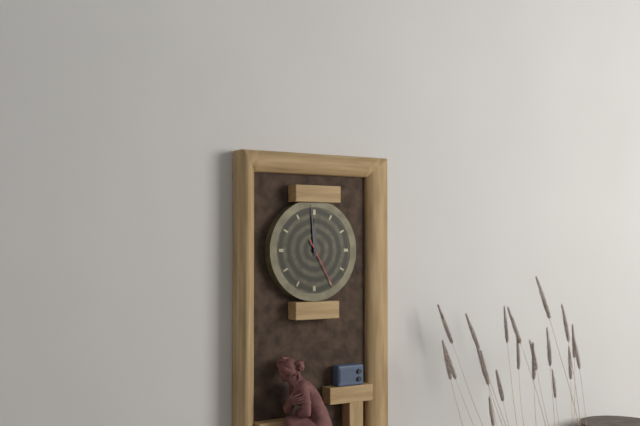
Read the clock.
11:59
